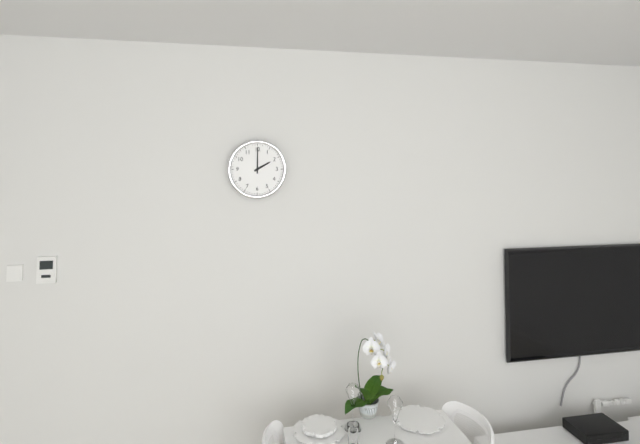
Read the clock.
2:00
